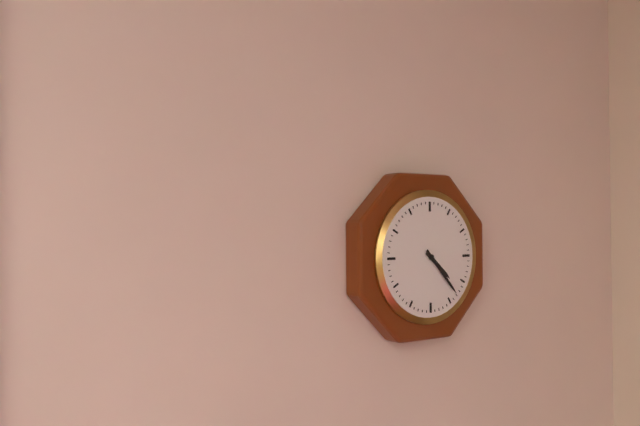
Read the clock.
4:23
